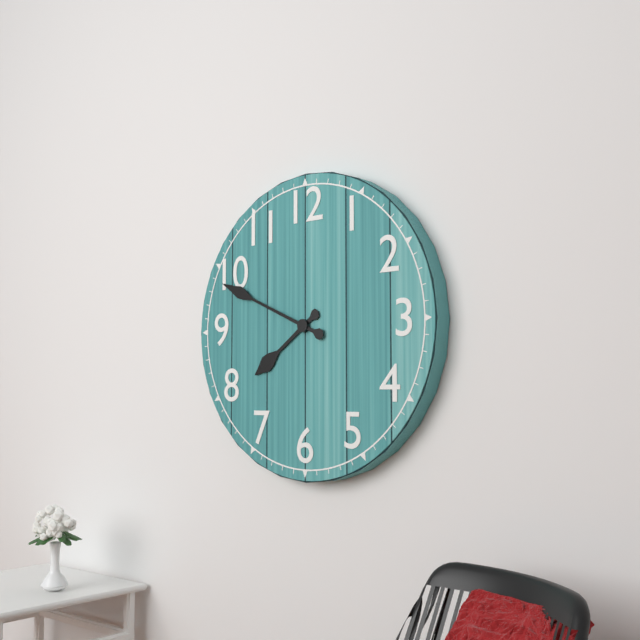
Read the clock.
7:49
